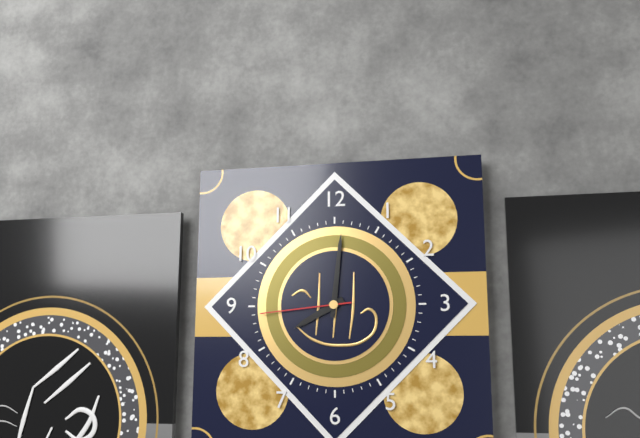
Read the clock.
8:01:44
